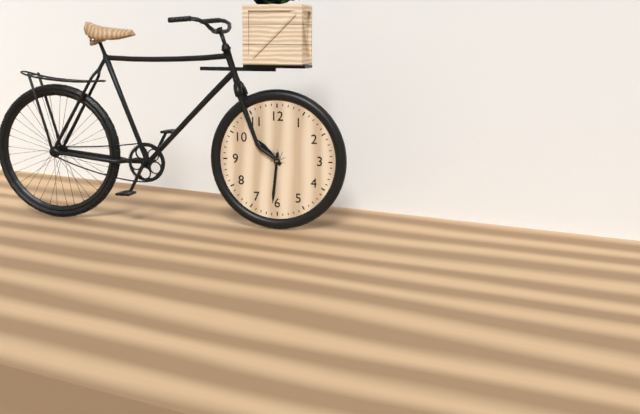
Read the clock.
10:31
